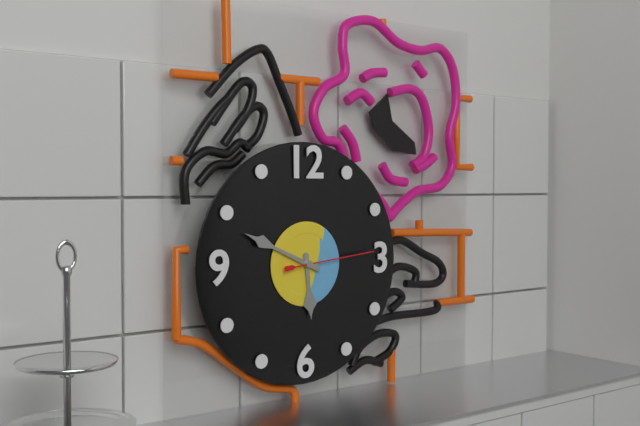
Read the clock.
5:49:14
